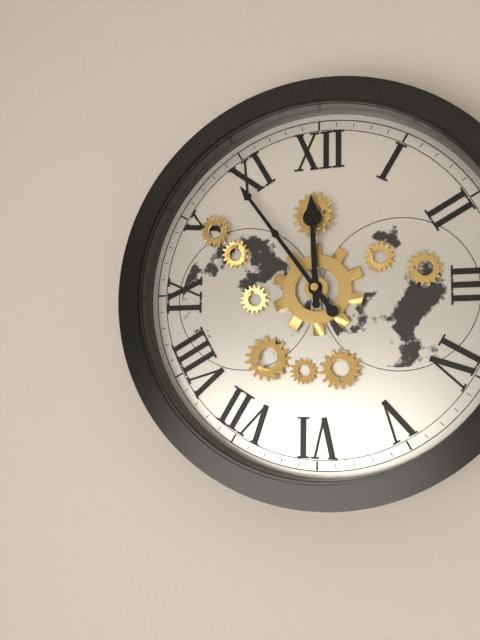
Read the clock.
11:54
